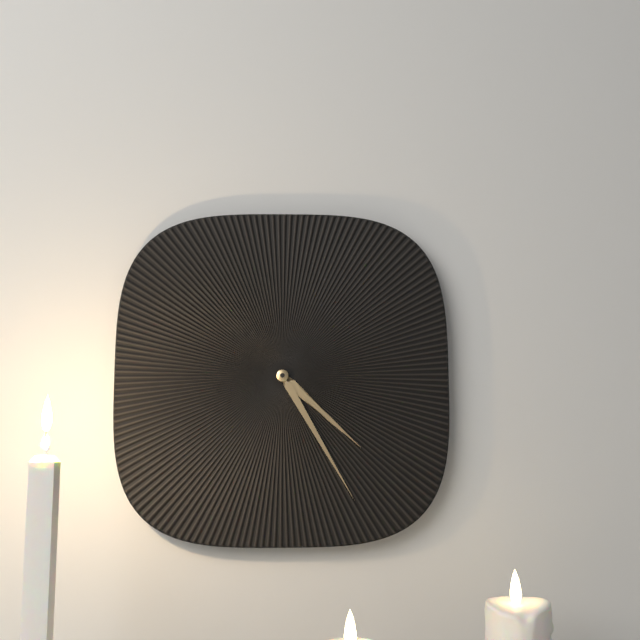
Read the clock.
4:25
